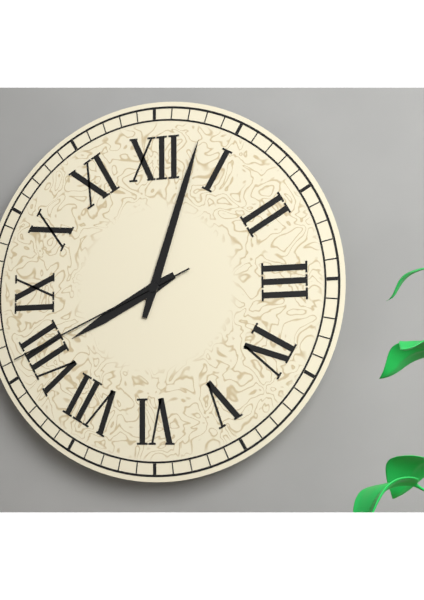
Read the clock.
8:03:41
